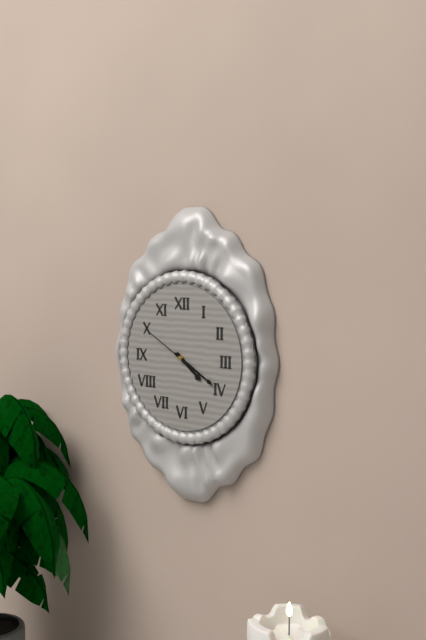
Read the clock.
4:20:50
